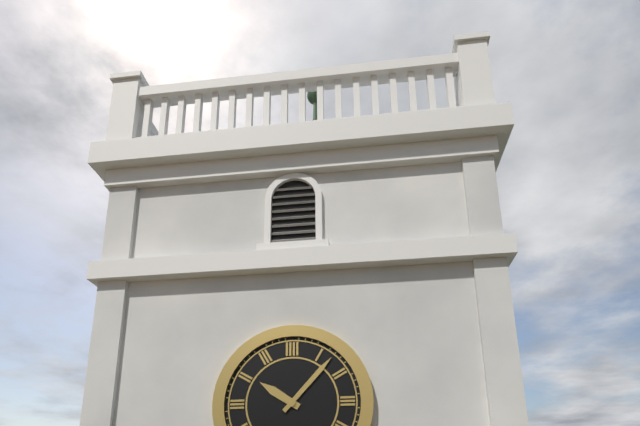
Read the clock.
10:07
